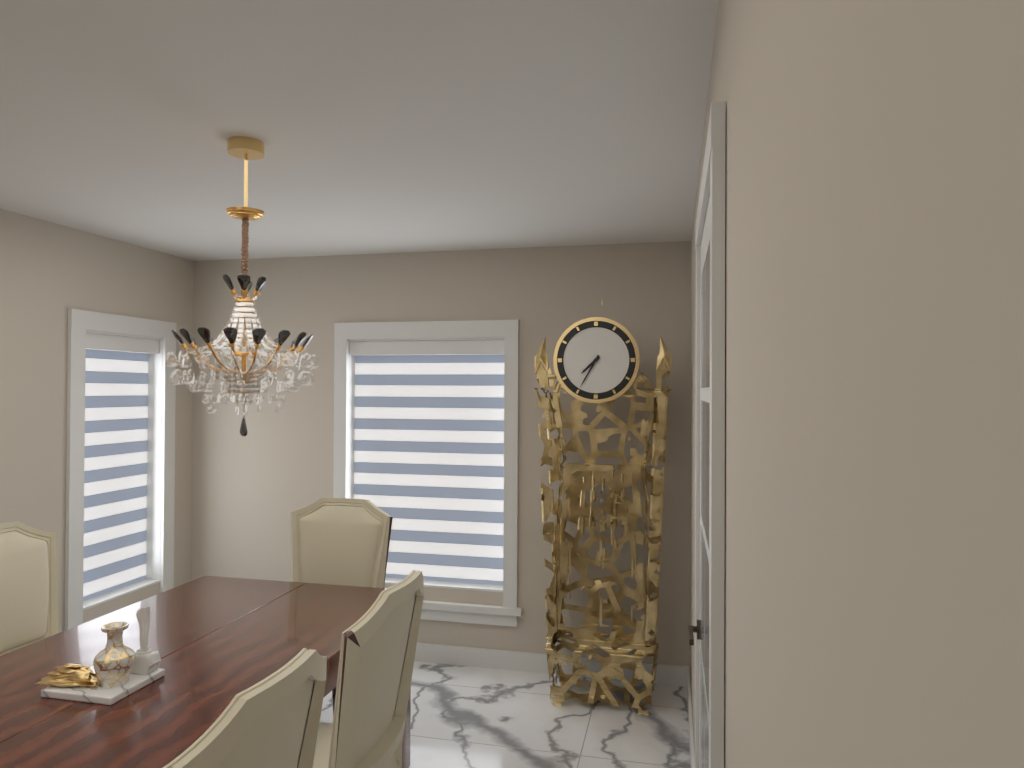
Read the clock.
7:35
